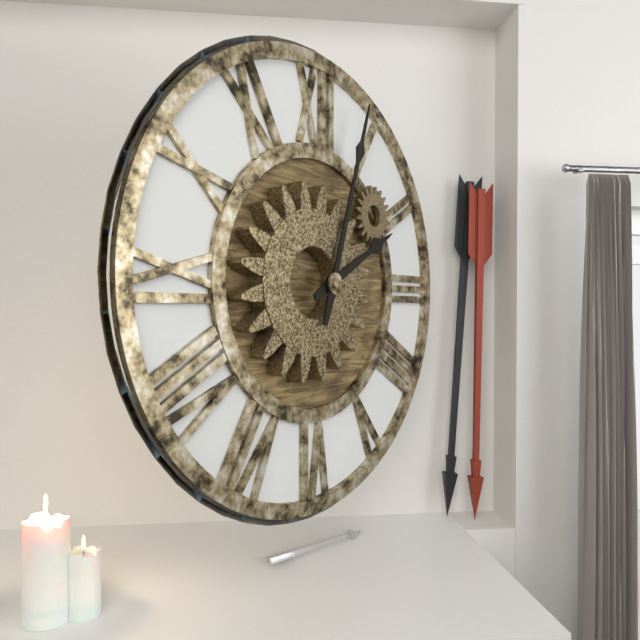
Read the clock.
2:03
